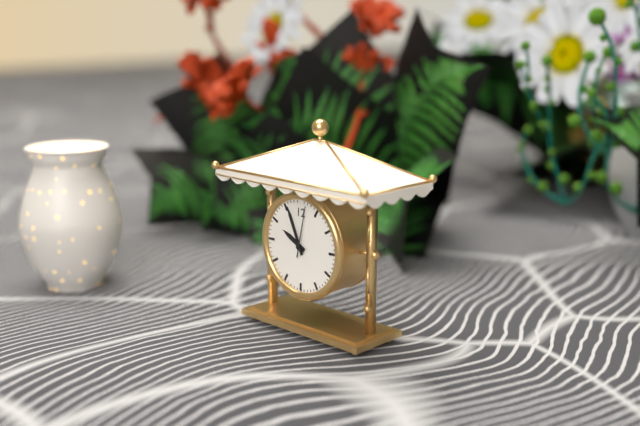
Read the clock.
9:56:02
